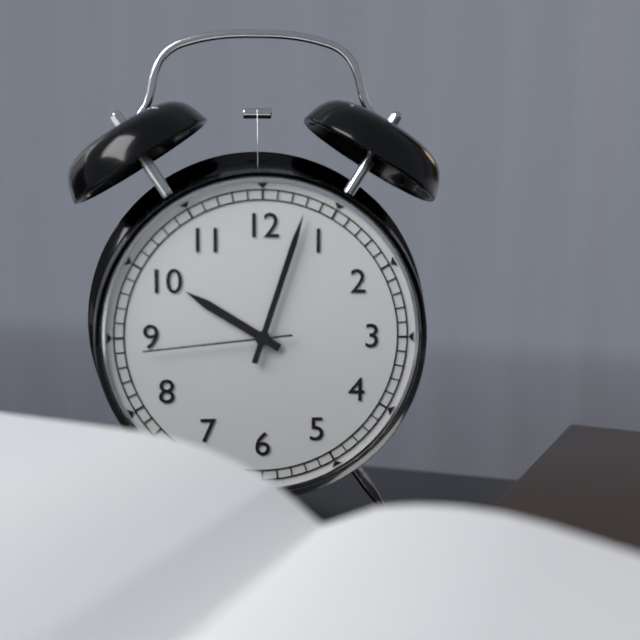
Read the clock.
10:03:44
